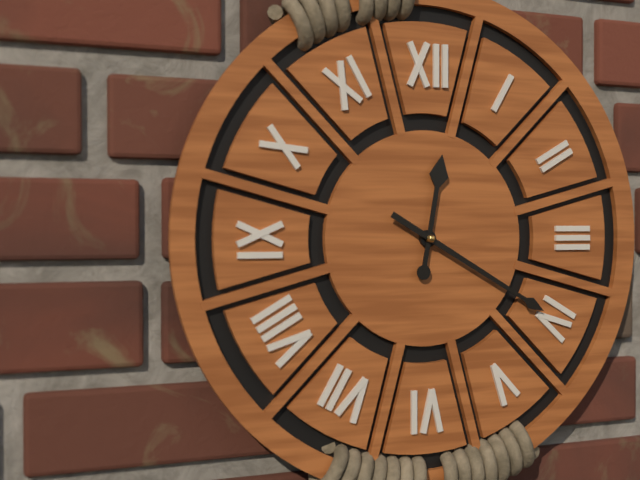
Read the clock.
12:20
